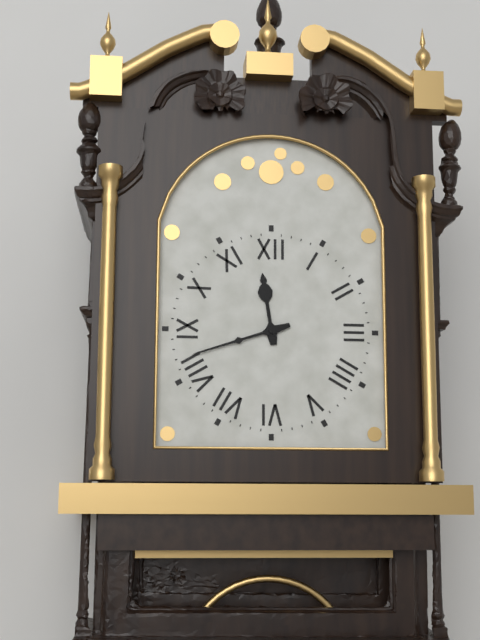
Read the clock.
11:42
